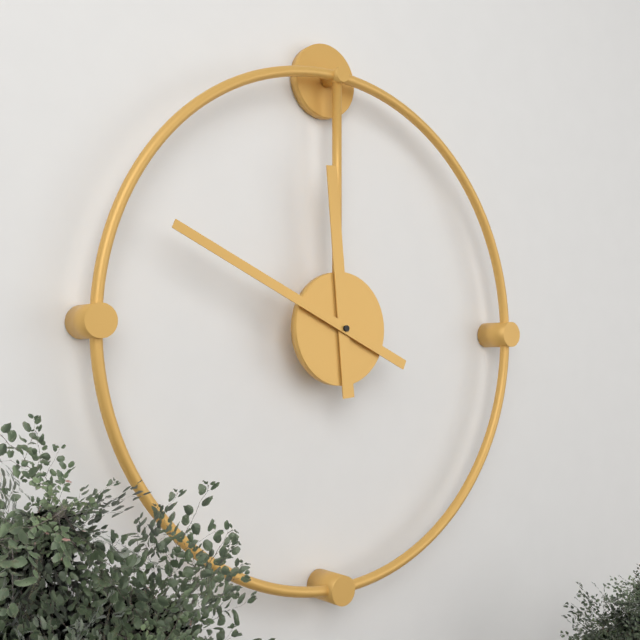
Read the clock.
11:49
